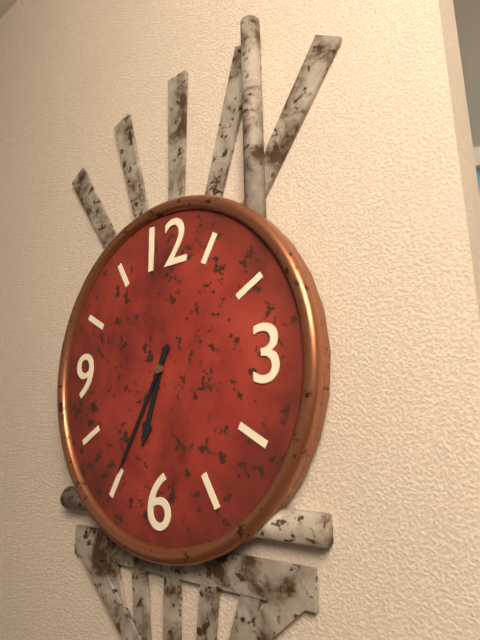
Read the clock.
6:35
